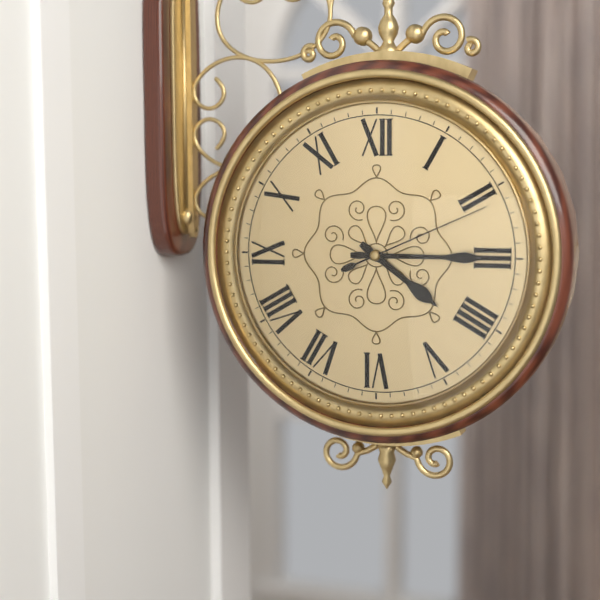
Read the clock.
4:15:11
